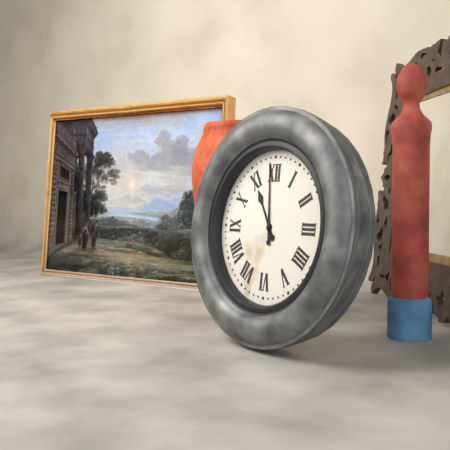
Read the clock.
10:59
